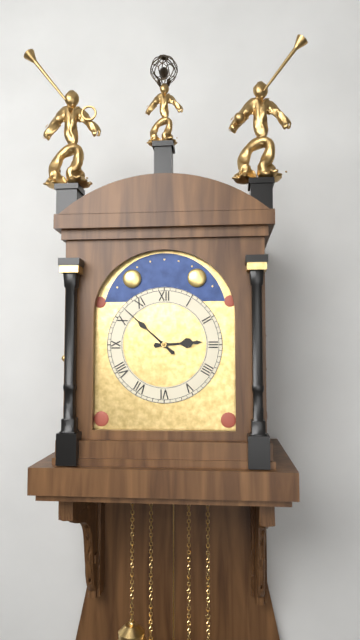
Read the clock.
2:52
